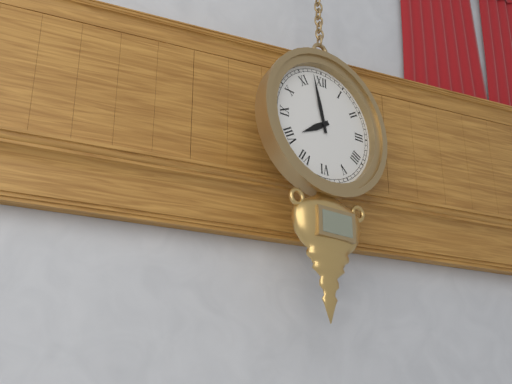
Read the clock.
7:58
